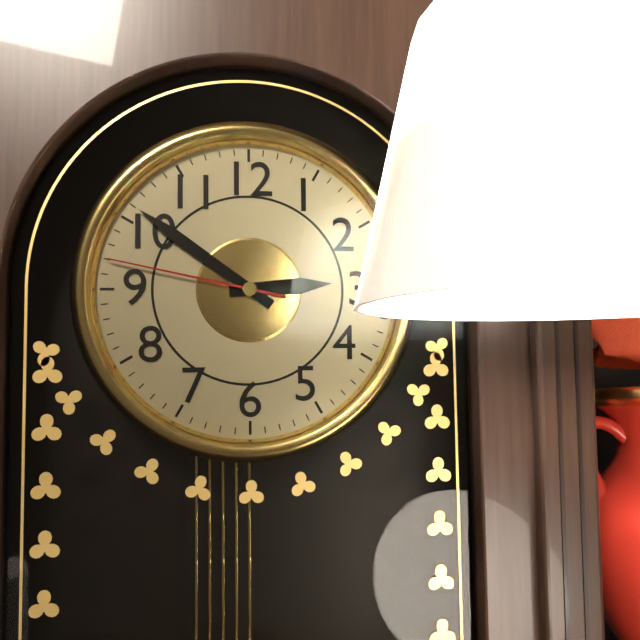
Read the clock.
2:51:47
